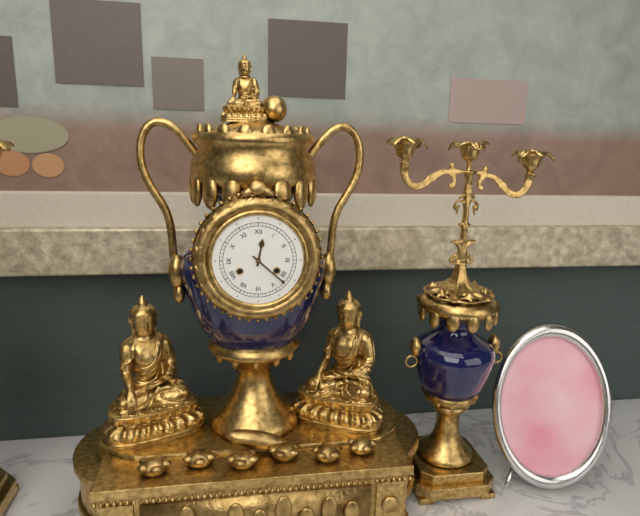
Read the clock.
12:22
